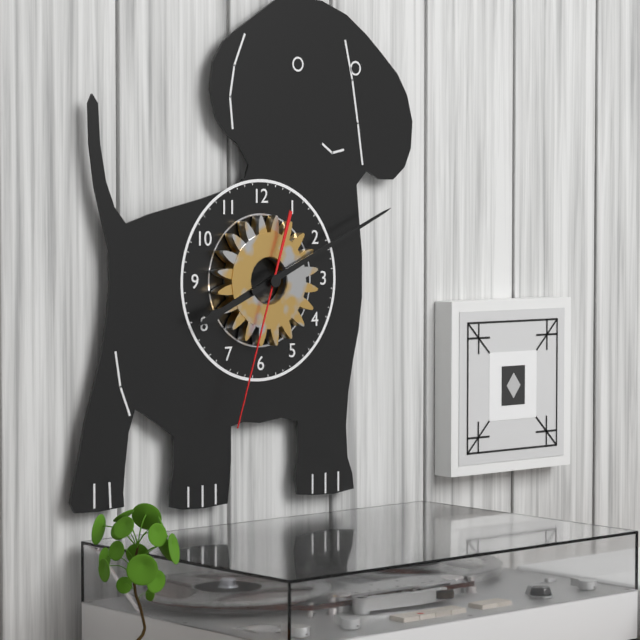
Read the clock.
8:11:33
